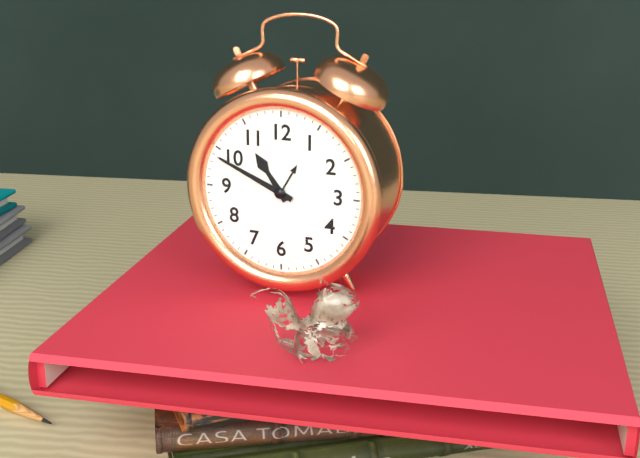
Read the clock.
10:49
